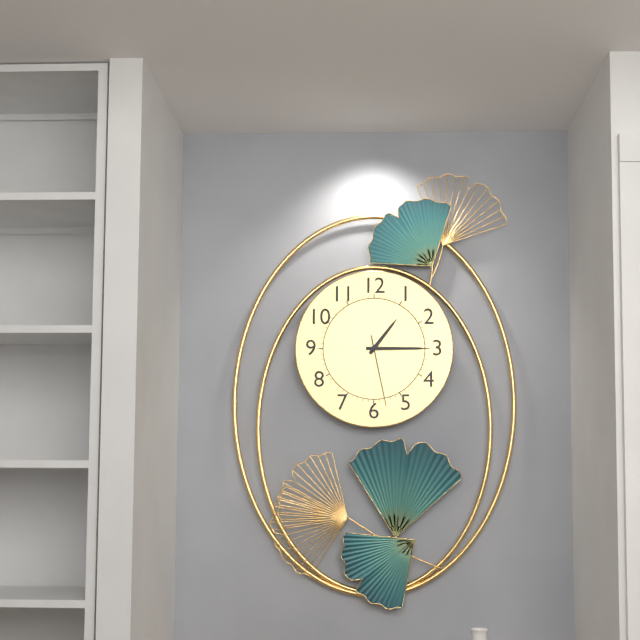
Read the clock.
1:15:28
